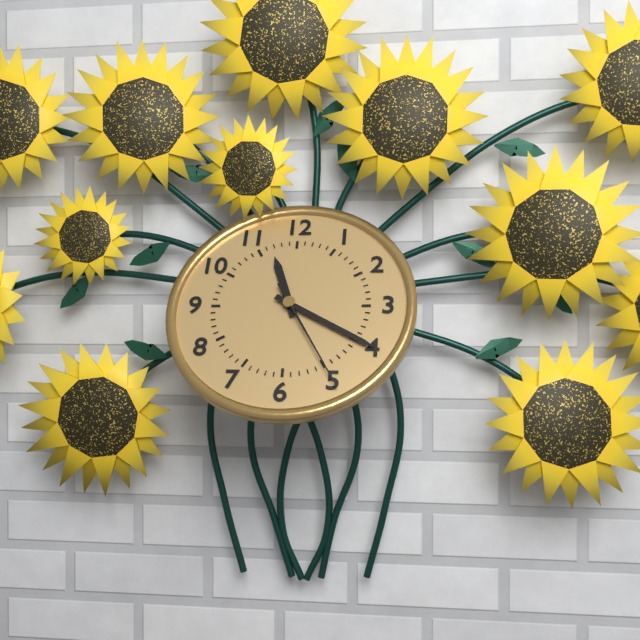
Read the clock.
11:20:25
